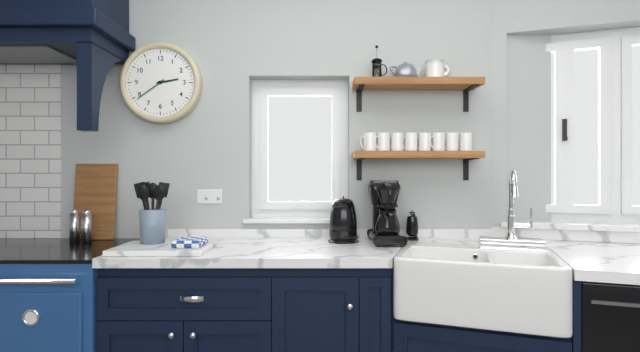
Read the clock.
2:39
